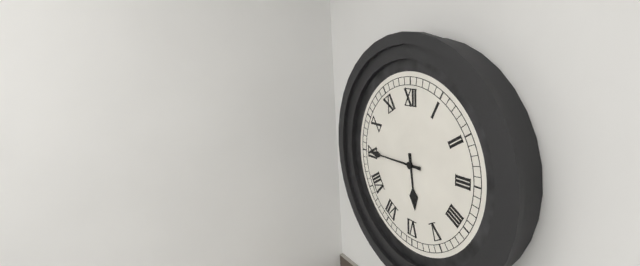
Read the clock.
5:45
